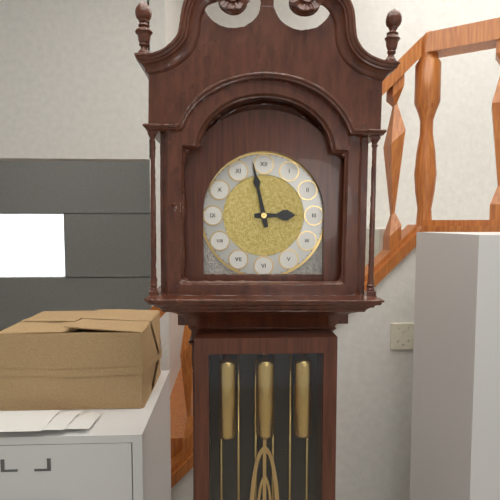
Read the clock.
2:58
